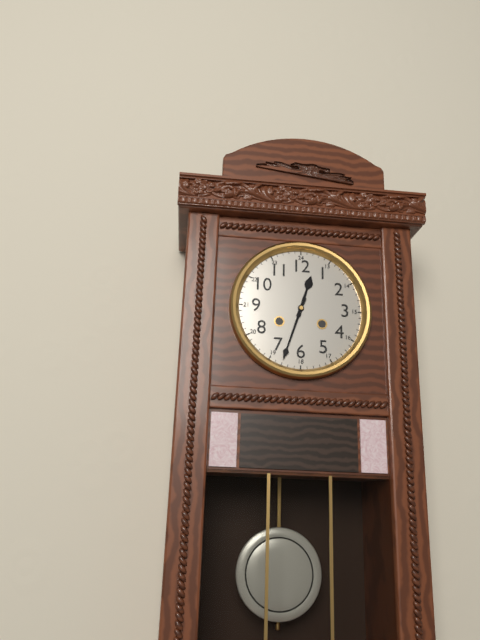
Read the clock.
12:33
